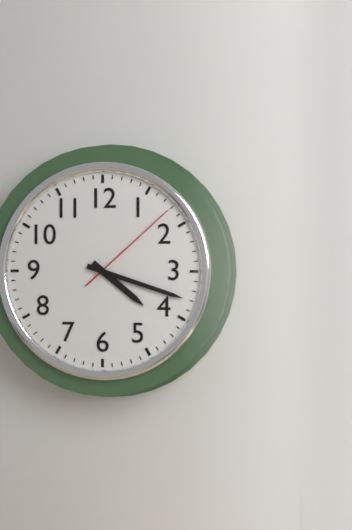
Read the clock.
4:18:08
